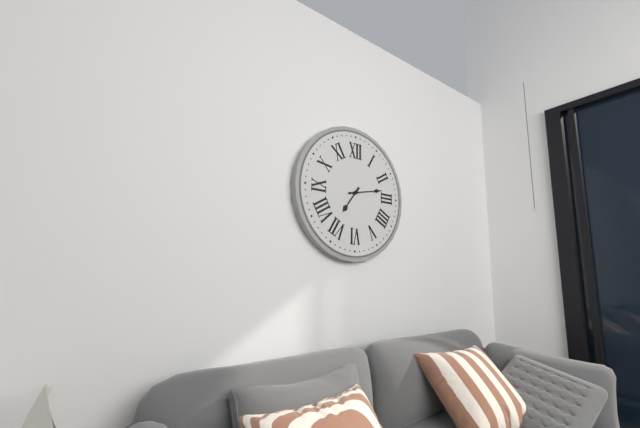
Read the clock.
7:13
